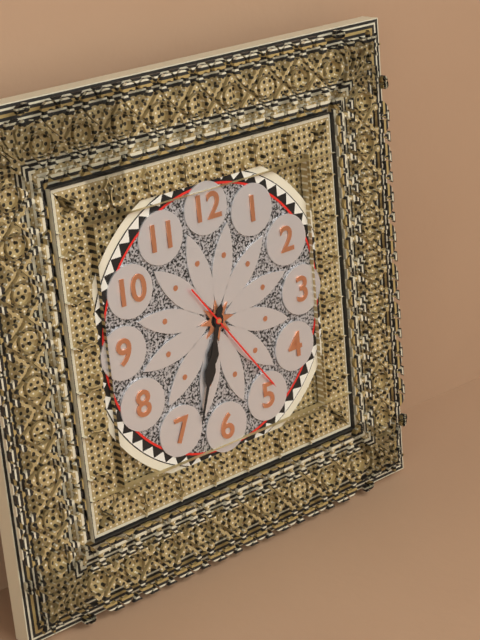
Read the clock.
6:33:24
